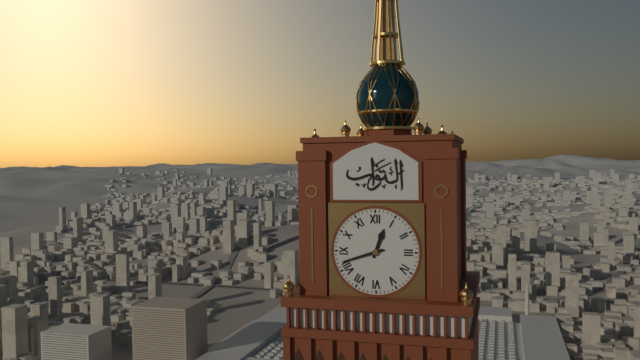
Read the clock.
12:42
